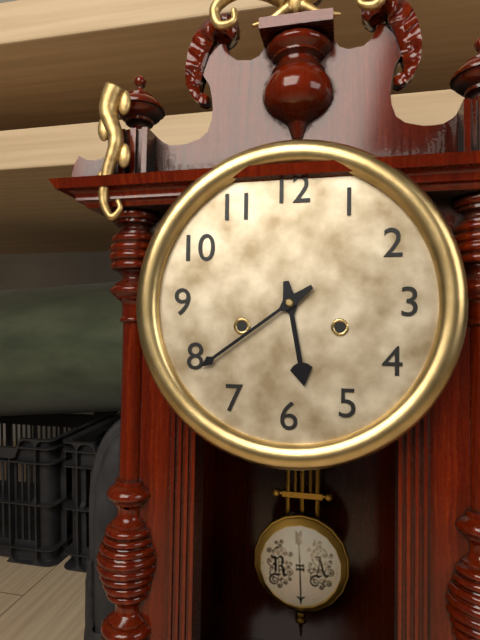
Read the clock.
5:39
